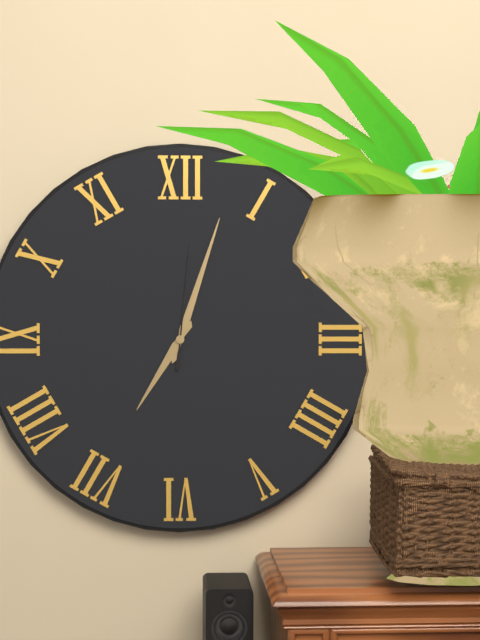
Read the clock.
7:03:01
